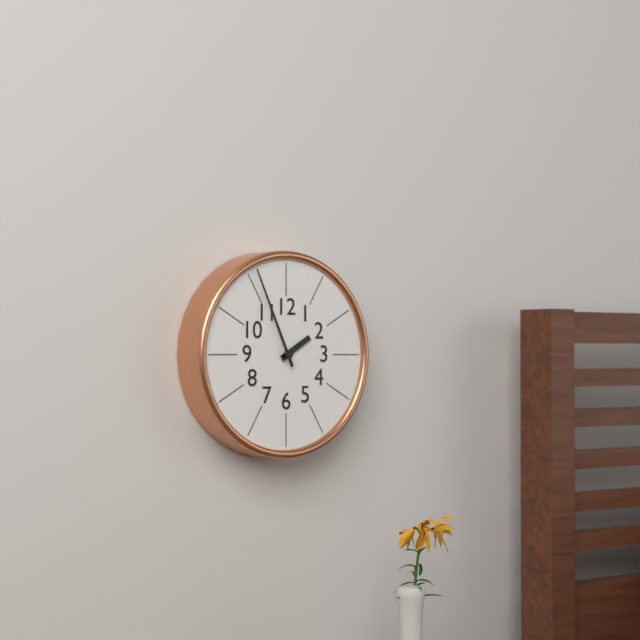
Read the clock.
1:56
